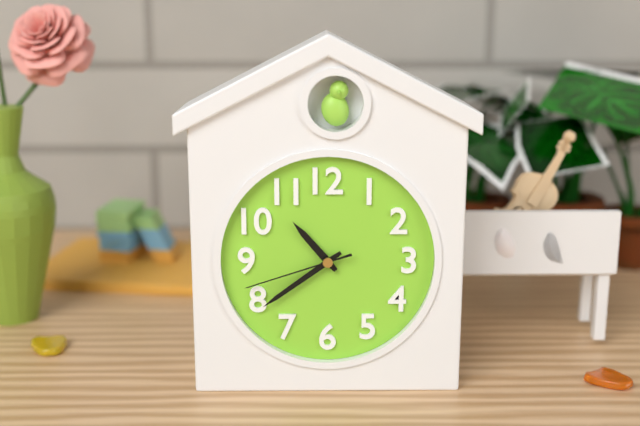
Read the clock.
10:39:42
